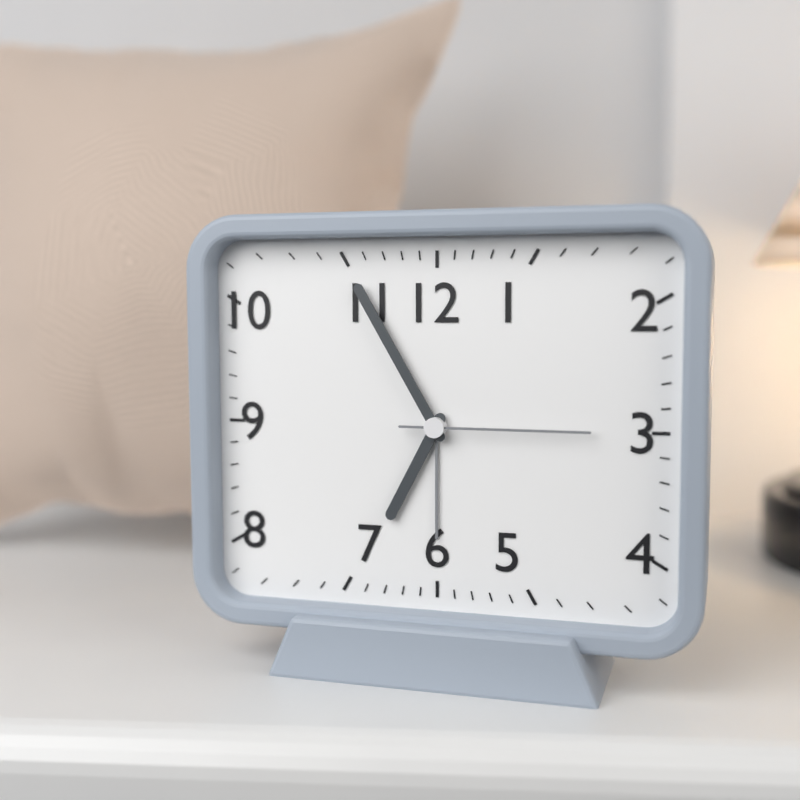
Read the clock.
6:55:15
